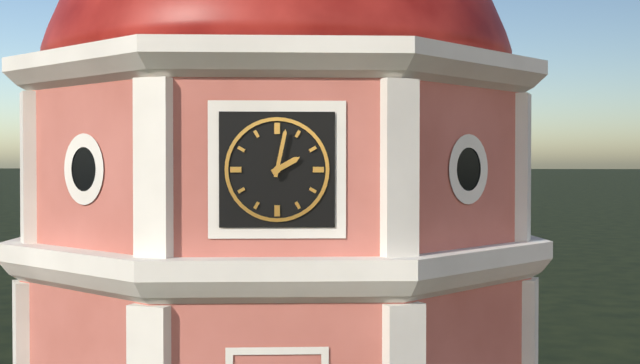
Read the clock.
2:02
